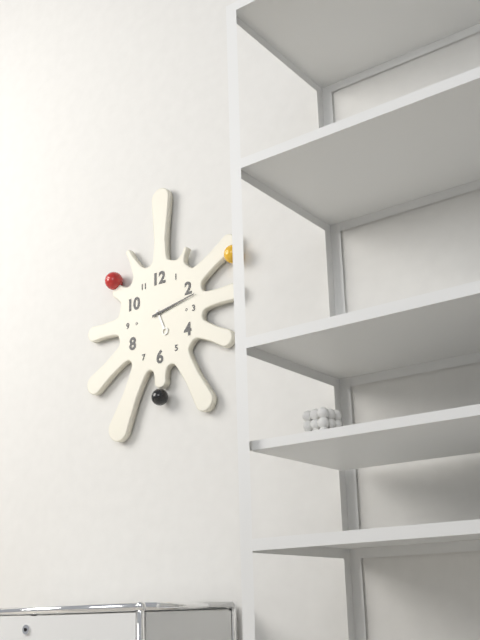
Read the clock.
5:13
